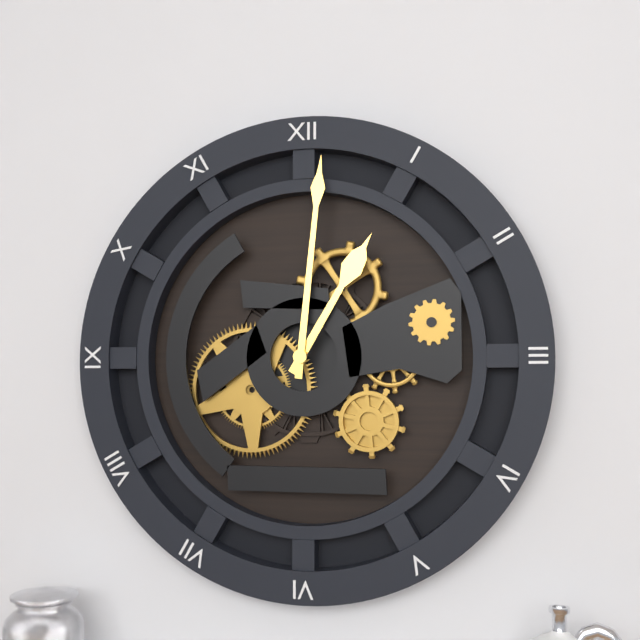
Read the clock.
1:01
